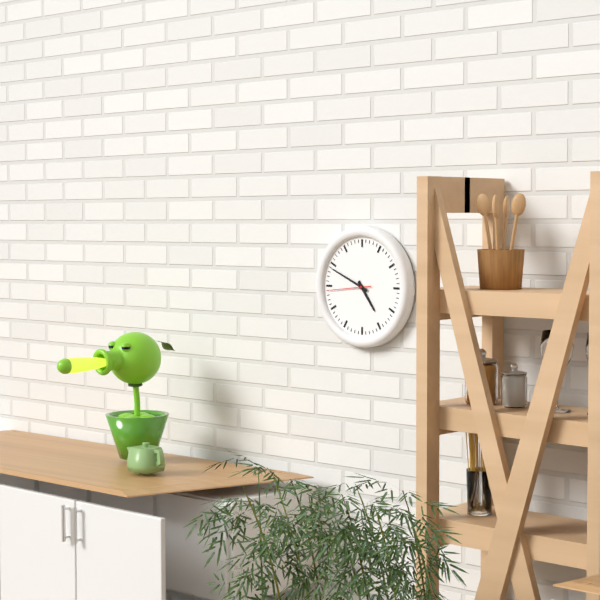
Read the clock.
4:49
